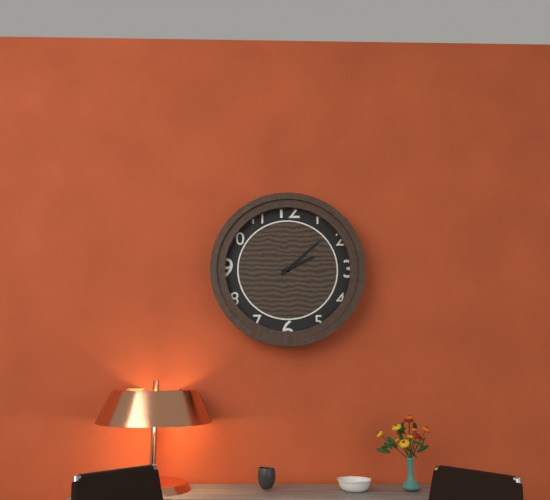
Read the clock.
2:08
